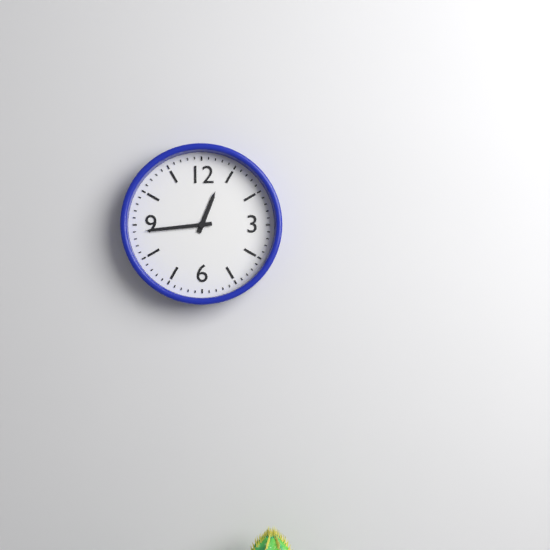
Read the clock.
12:44
